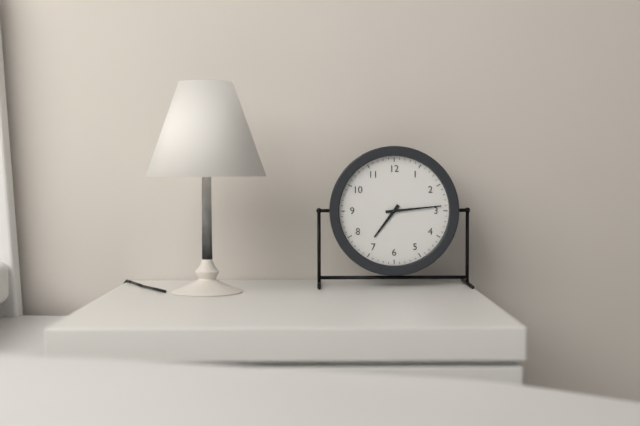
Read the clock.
7:14
